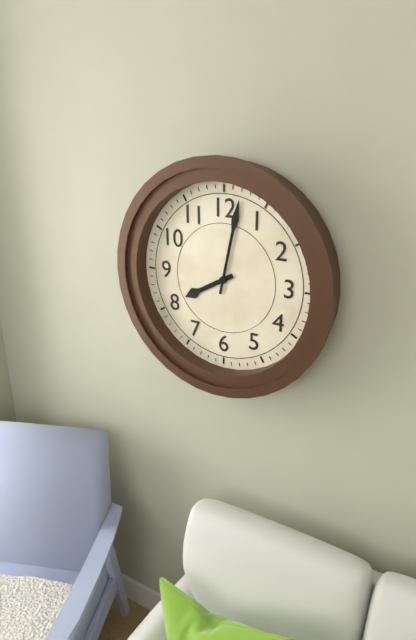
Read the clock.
8:02
